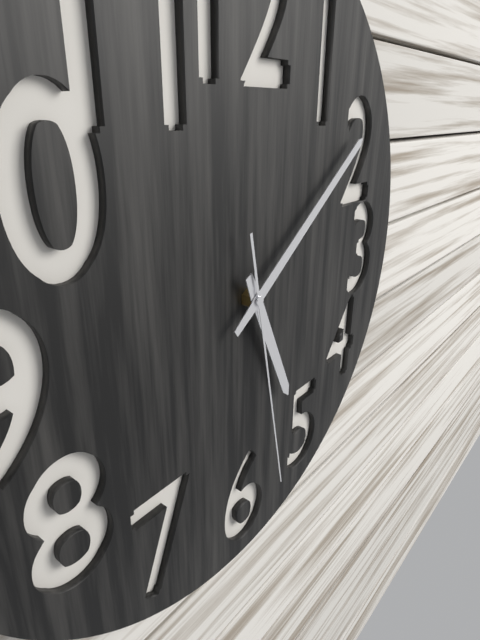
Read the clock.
5:09:28
